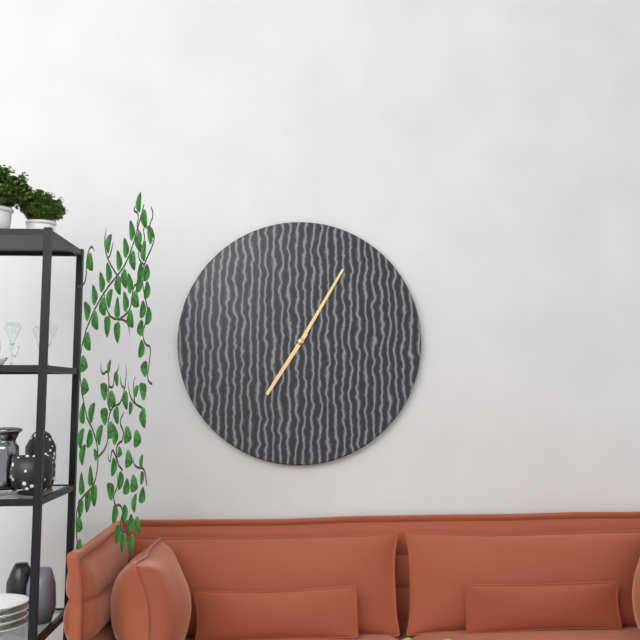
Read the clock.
7:05
